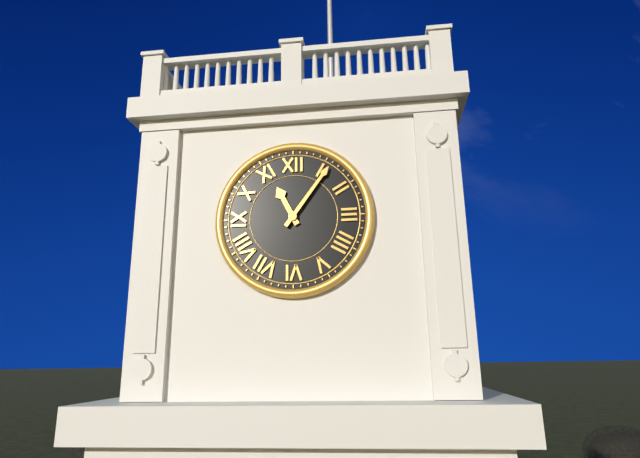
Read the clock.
11:06
